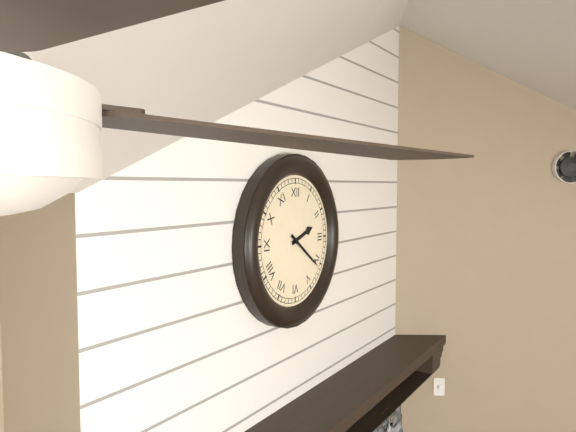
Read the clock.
2:21
